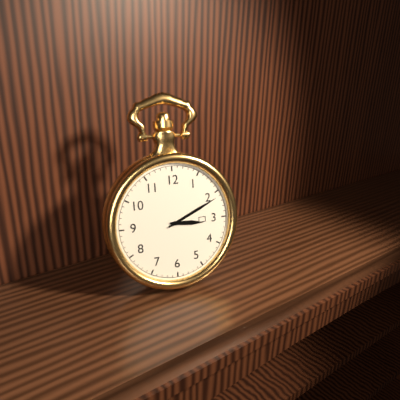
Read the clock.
3:11
